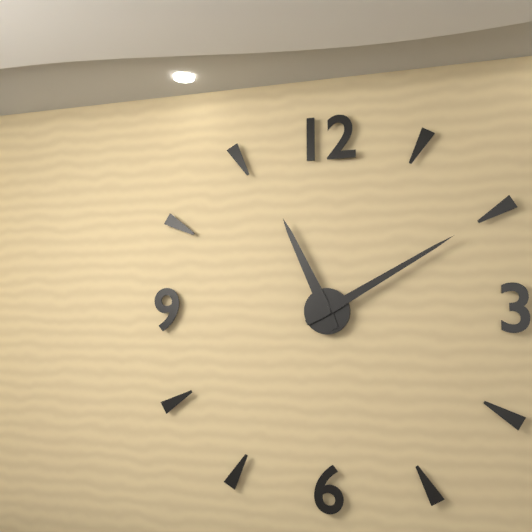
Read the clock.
11:10
